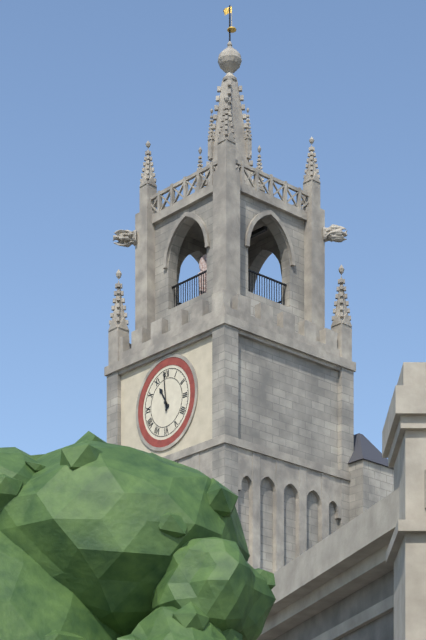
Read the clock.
10:59
